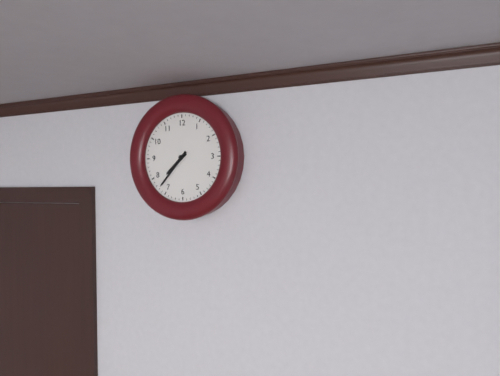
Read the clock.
7:37
